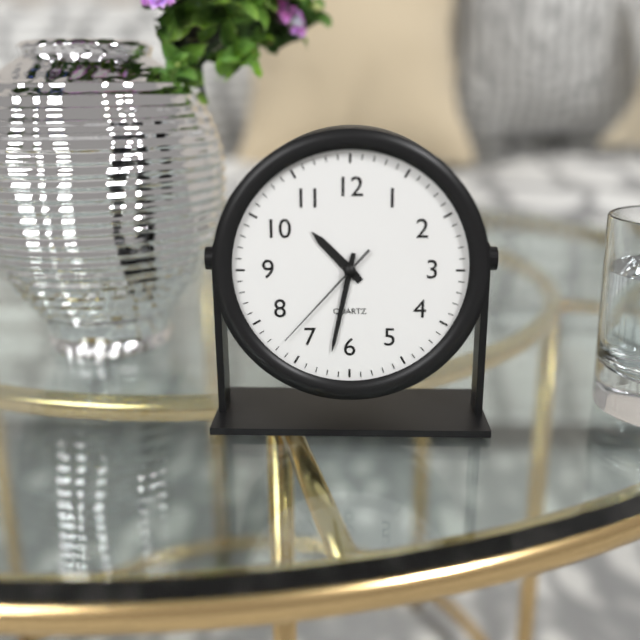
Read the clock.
10:32:37
